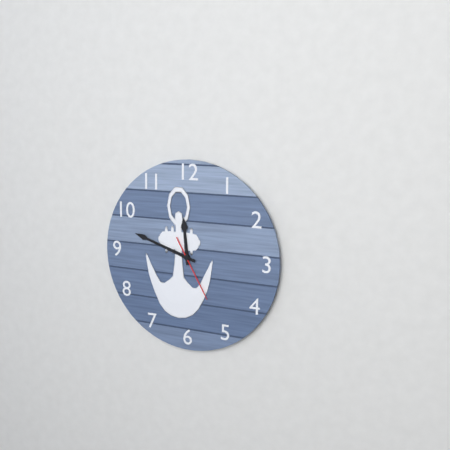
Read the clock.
11:48:25
